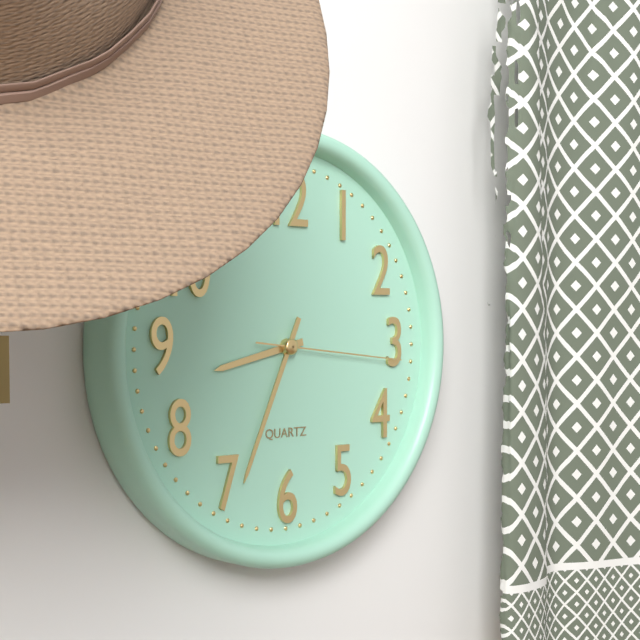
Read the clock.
8:34:16
